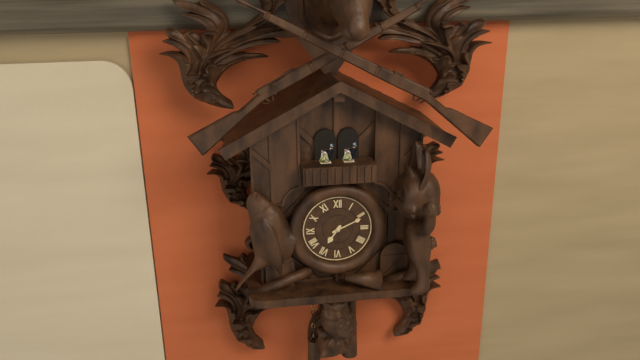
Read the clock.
7:11
